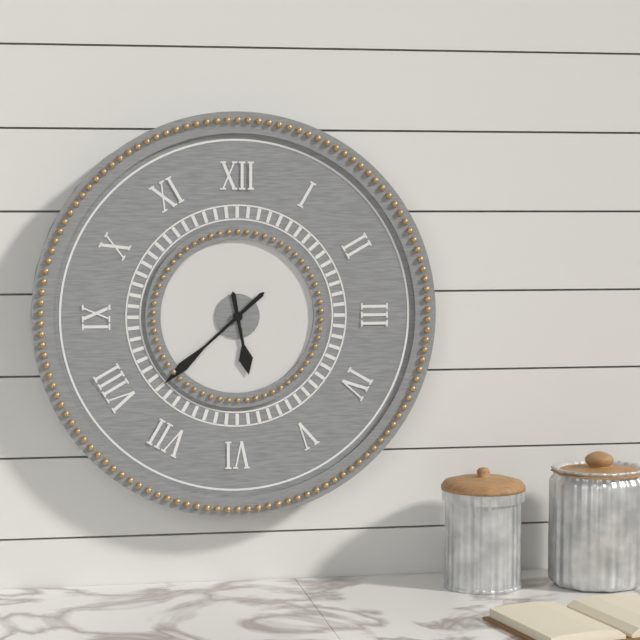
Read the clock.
5:38
